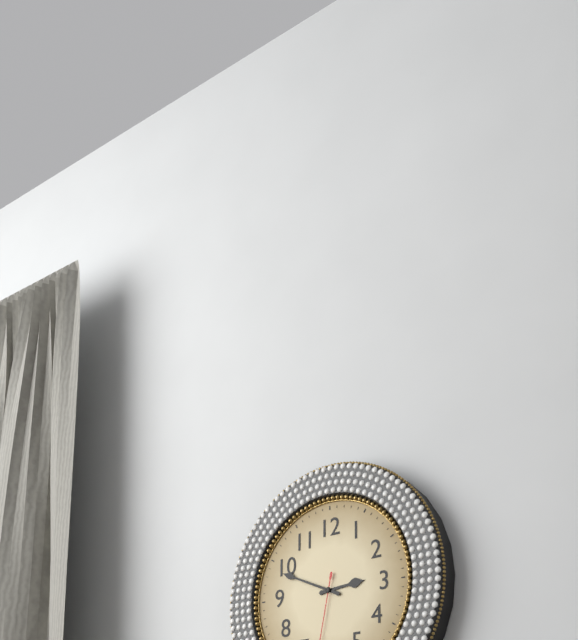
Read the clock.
2:49
